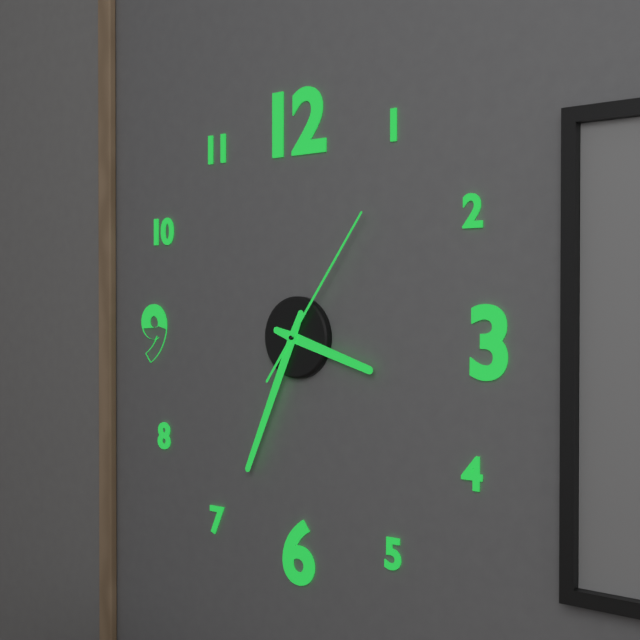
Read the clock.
3:34:06
